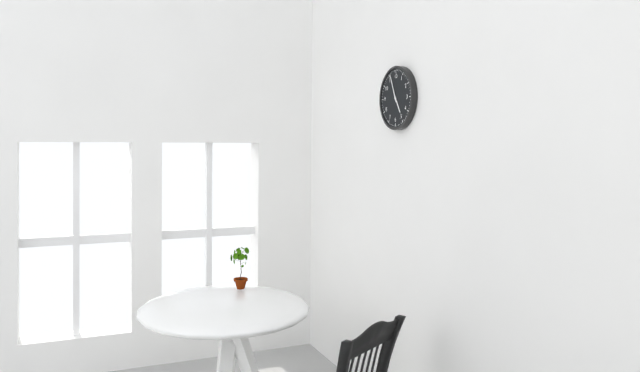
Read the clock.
4:56
